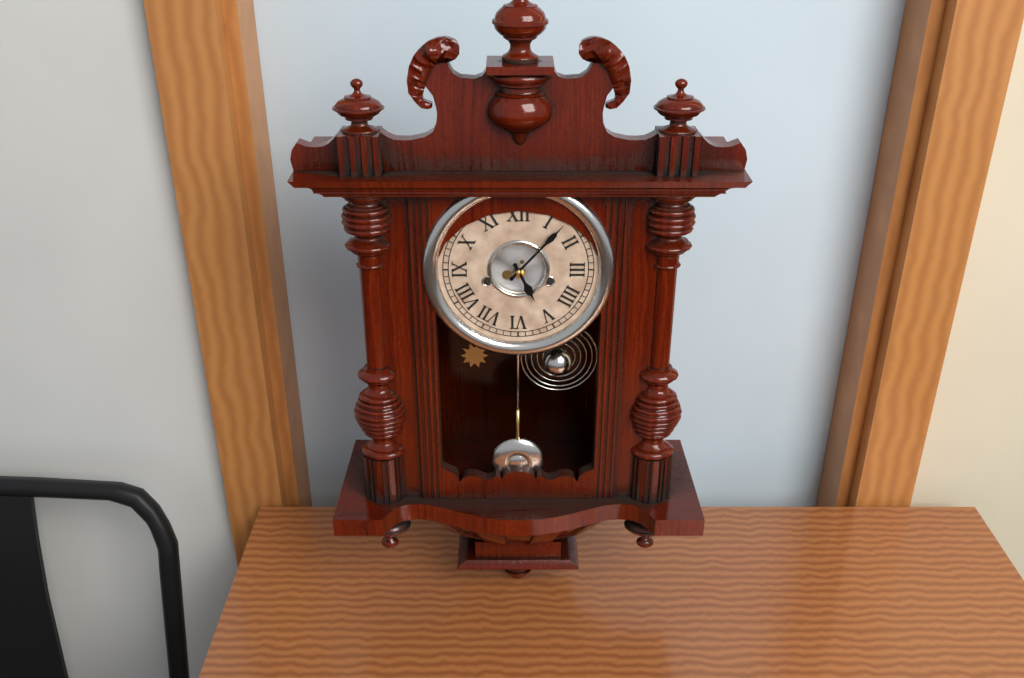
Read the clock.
5:07
